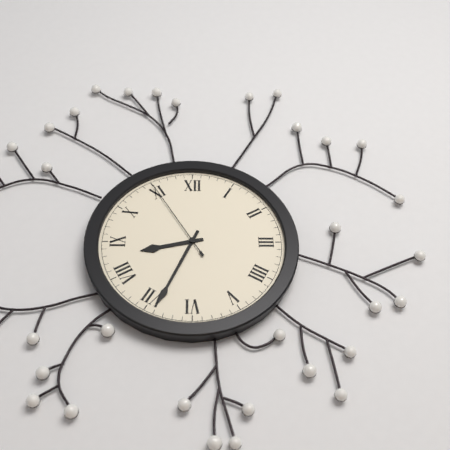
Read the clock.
8:34:55
